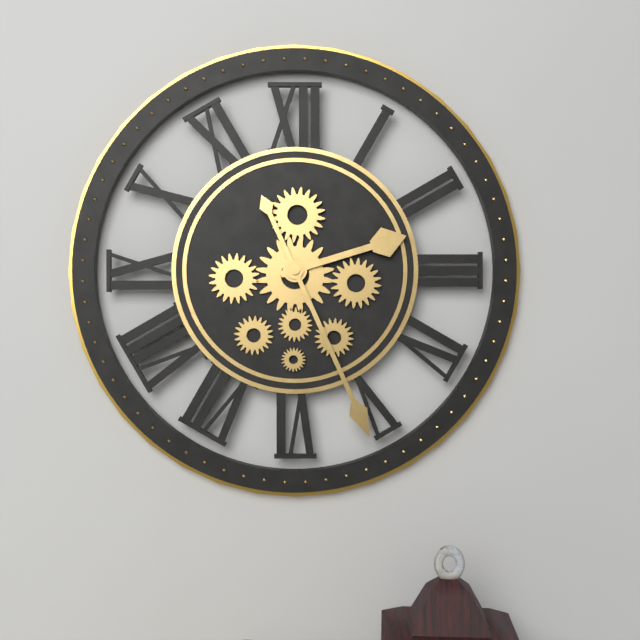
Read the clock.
2:26
